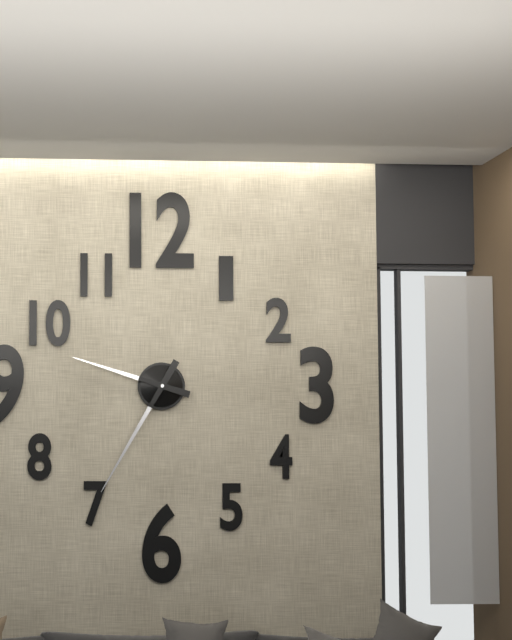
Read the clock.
9:35
